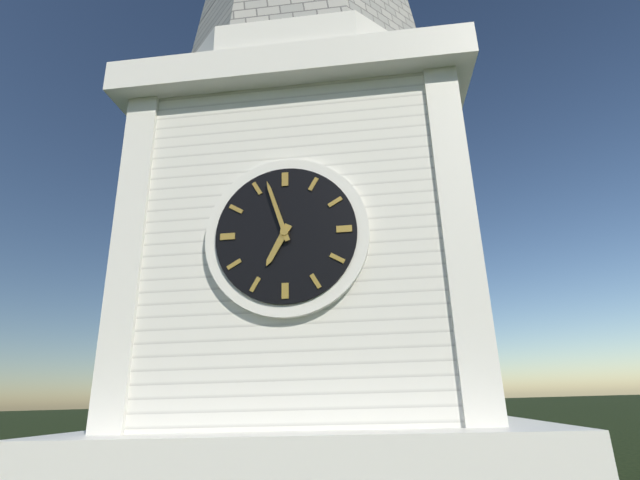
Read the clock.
6:57
